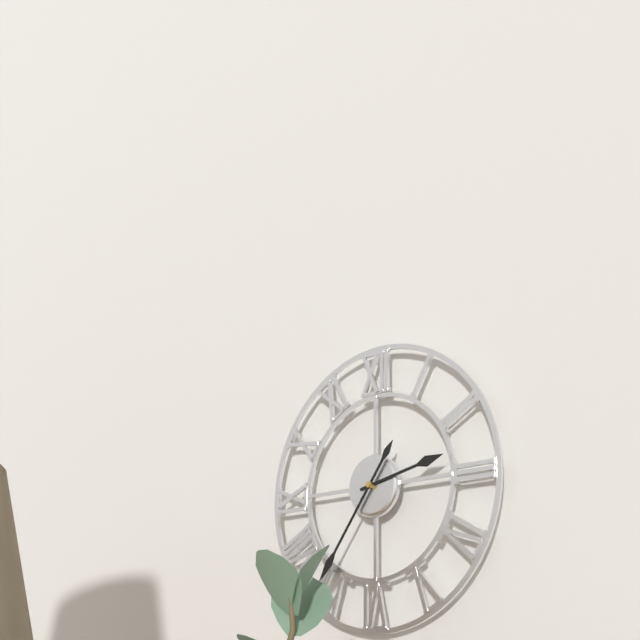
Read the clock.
2:36
